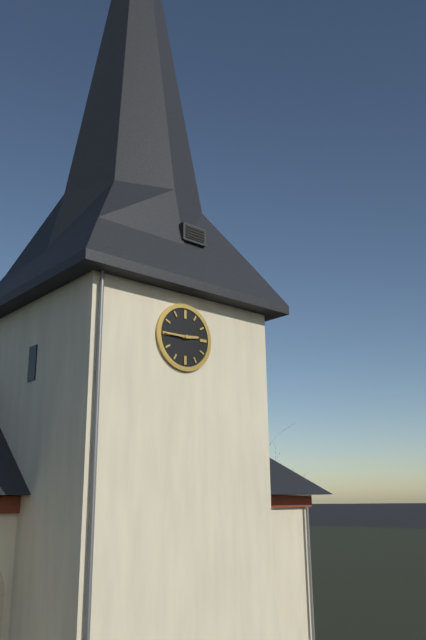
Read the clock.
2:45
